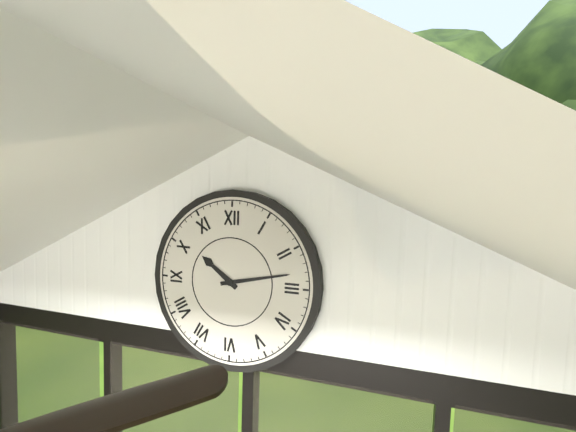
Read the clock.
10:13
